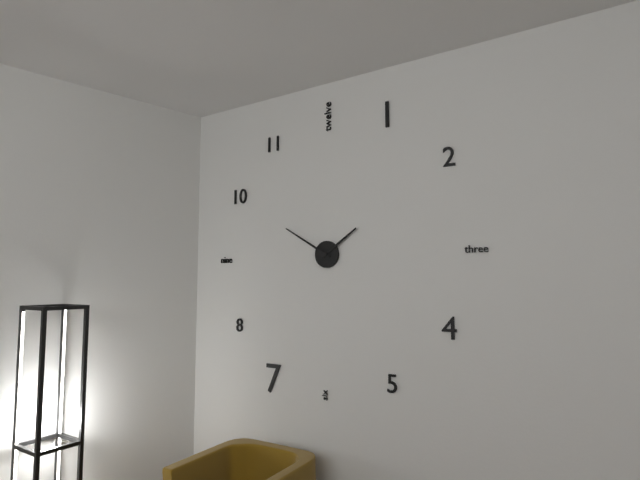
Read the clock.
1:50
